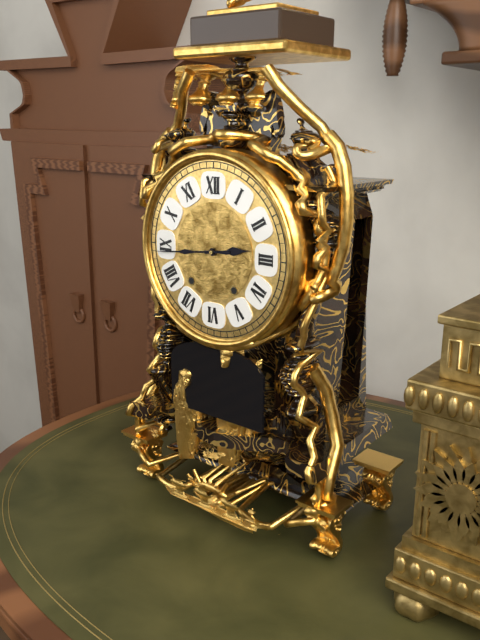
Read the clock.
2:44
